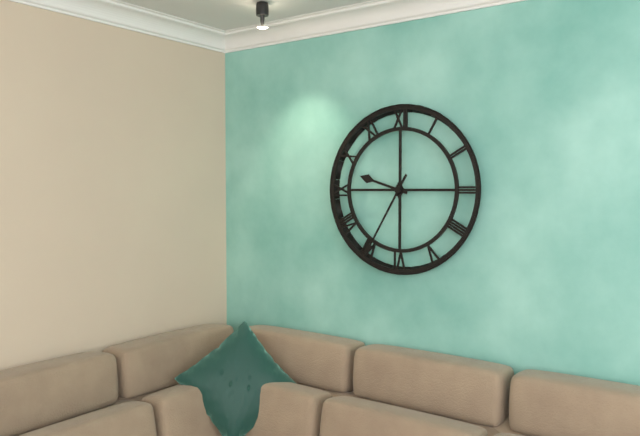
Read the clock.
9:35
